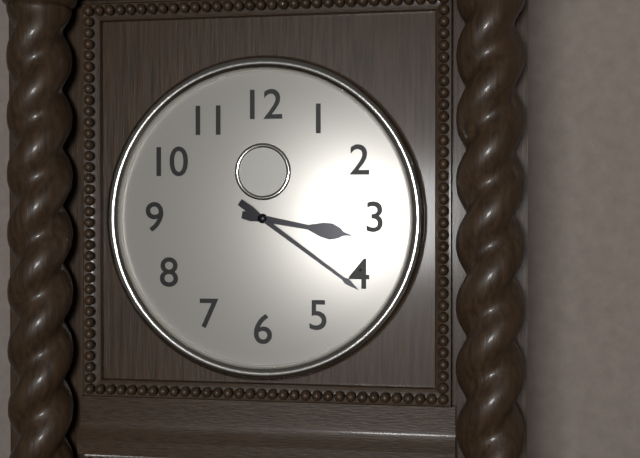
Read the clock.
3:21
